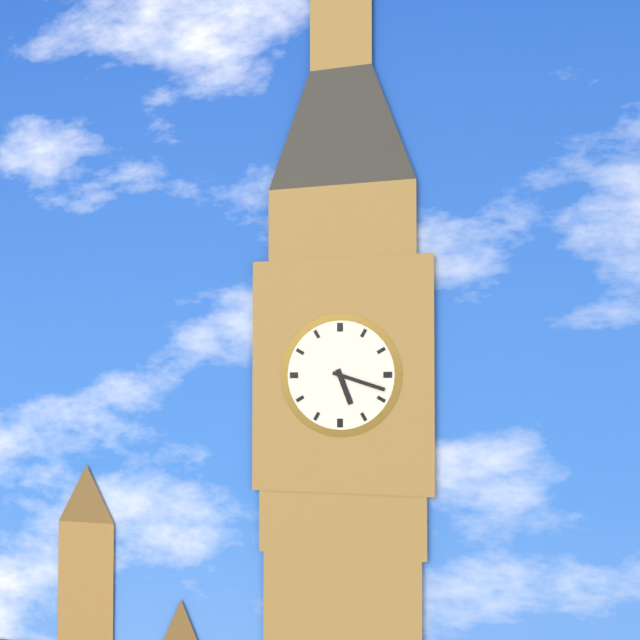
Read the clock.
5:18
